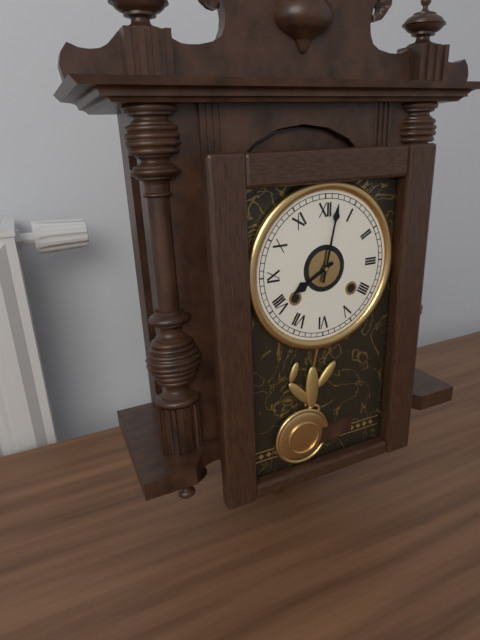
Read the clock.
8:02
